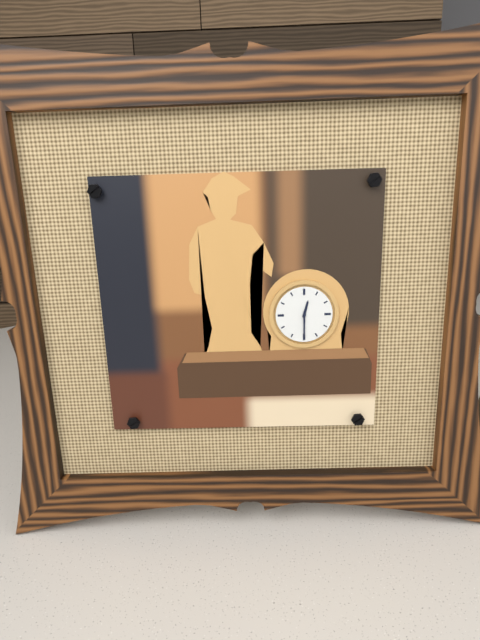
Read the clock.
12:30
